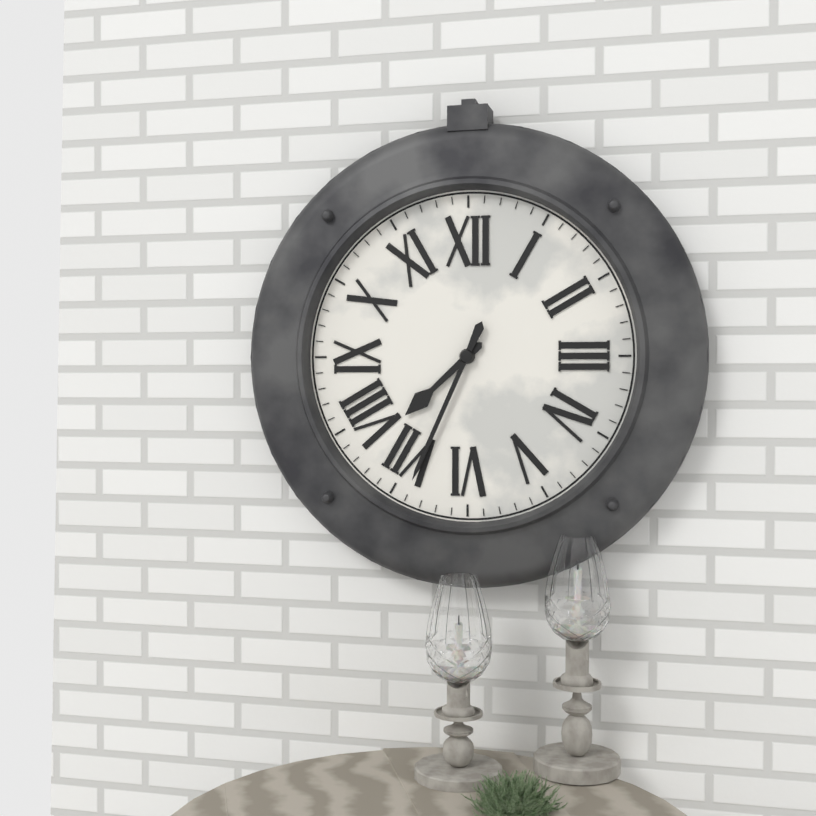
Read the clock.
7:34
